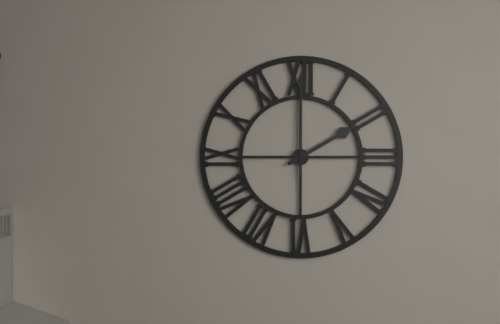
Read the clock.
2:00
